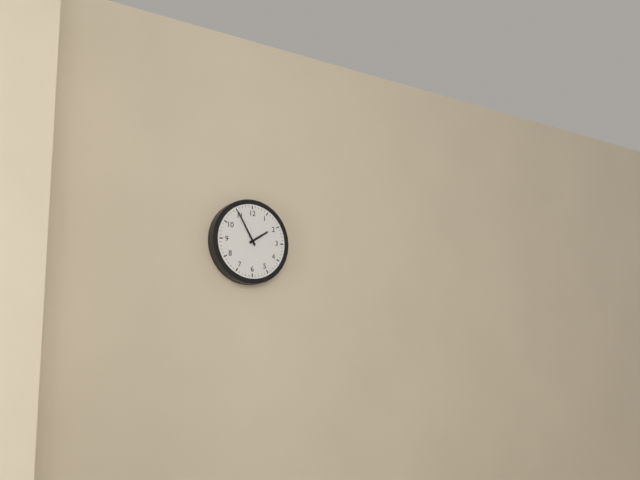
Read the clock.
1:55
